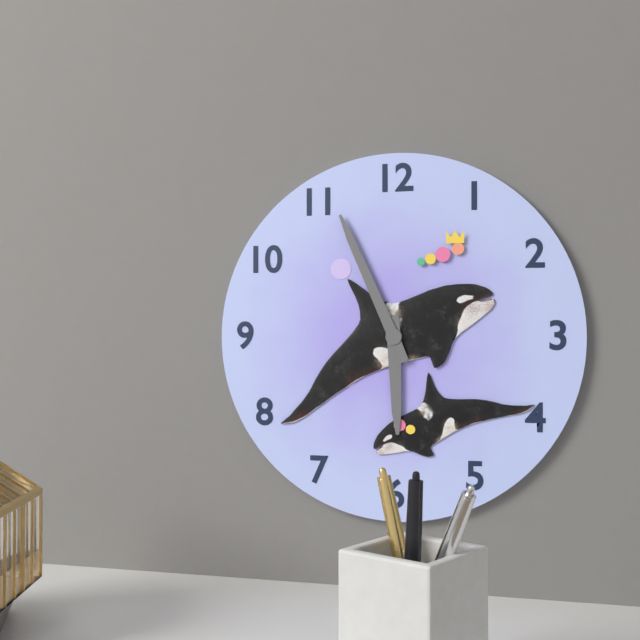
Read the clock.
5:56
